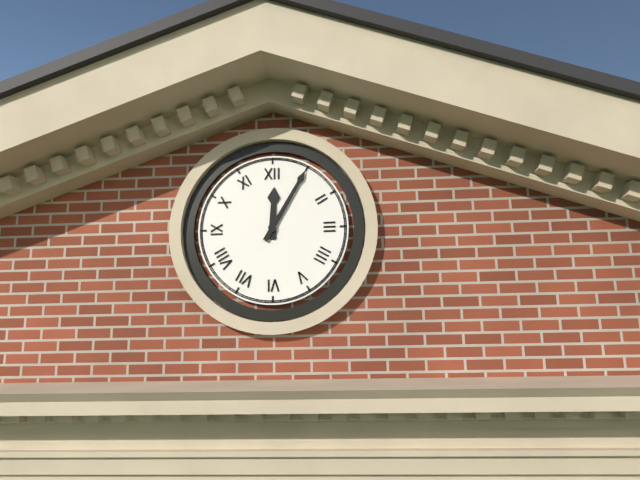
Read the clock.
12:05
